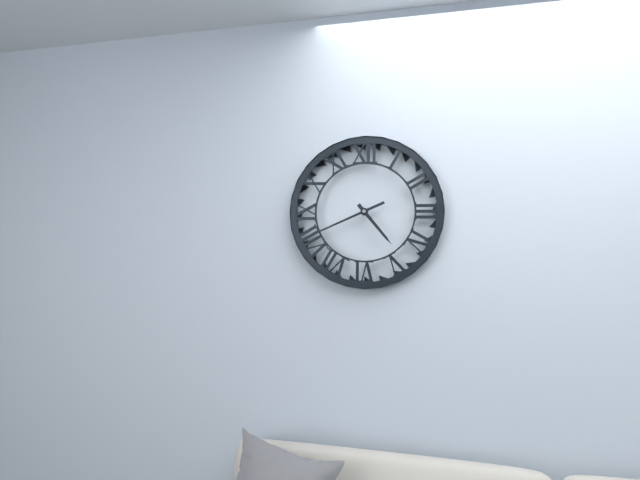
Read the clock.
4:41
